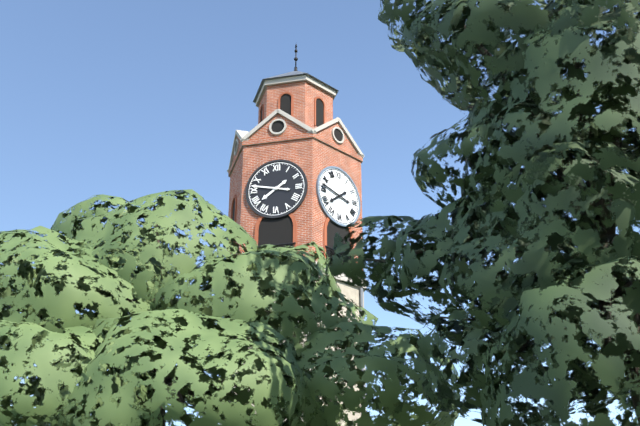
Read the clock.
7:47
